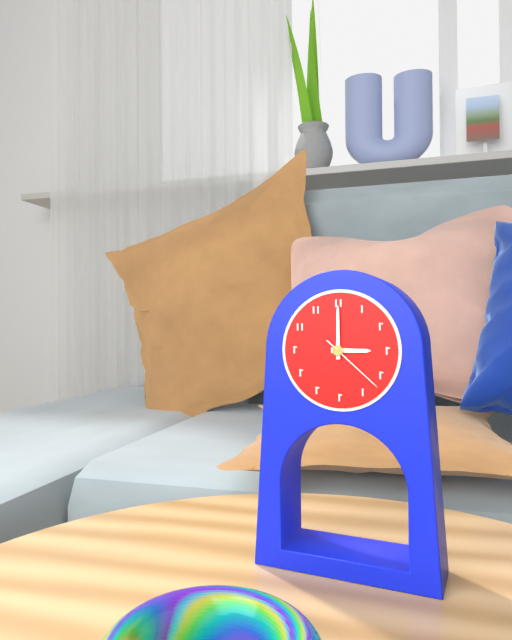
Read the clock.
3:00:22
